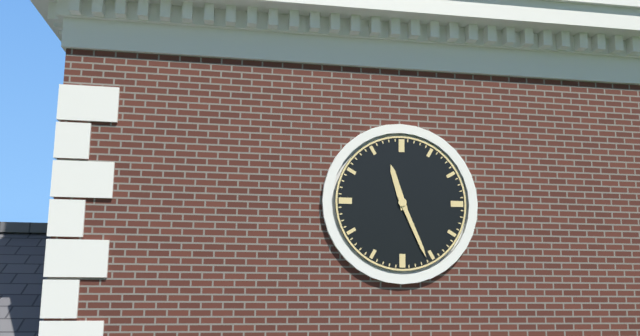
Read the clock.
11:26
